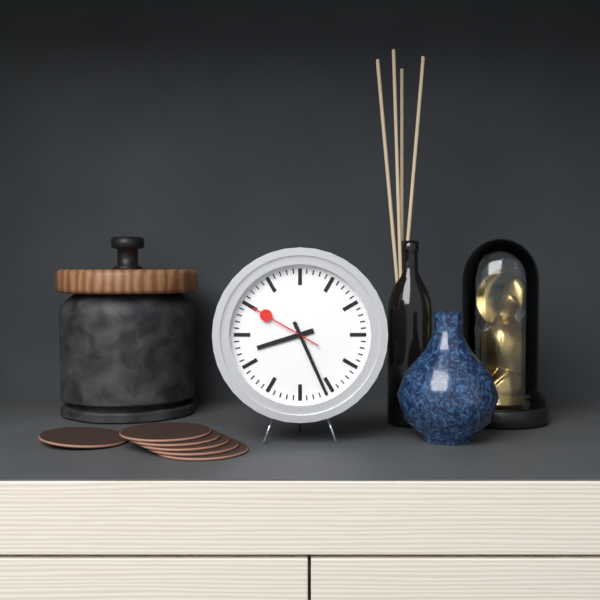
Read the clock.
8:26:50
